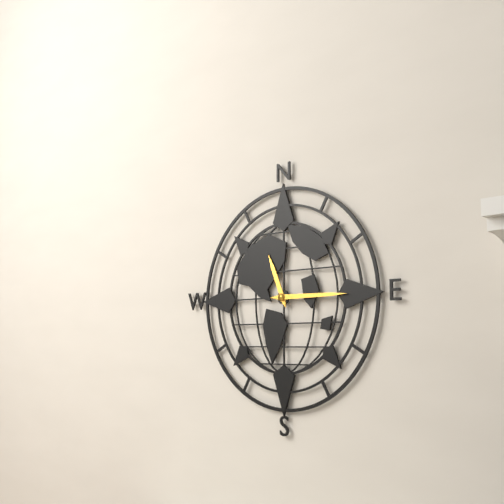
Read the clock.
11:15
